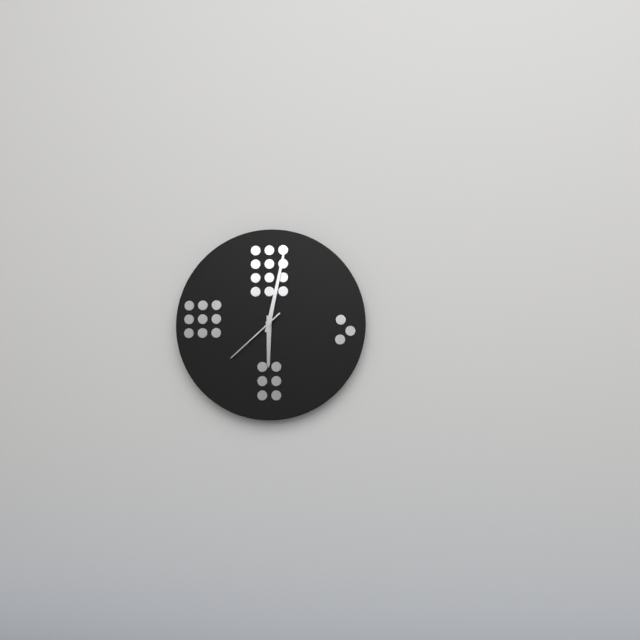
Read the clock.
6:02:38
